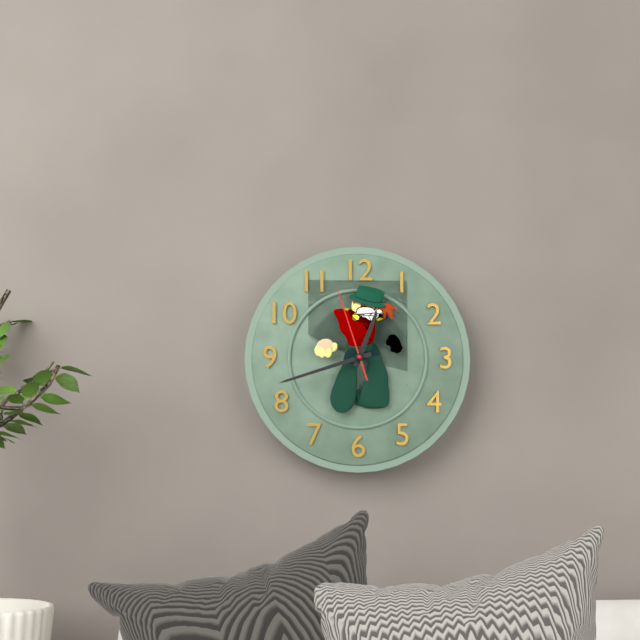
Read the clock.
12:42:57
